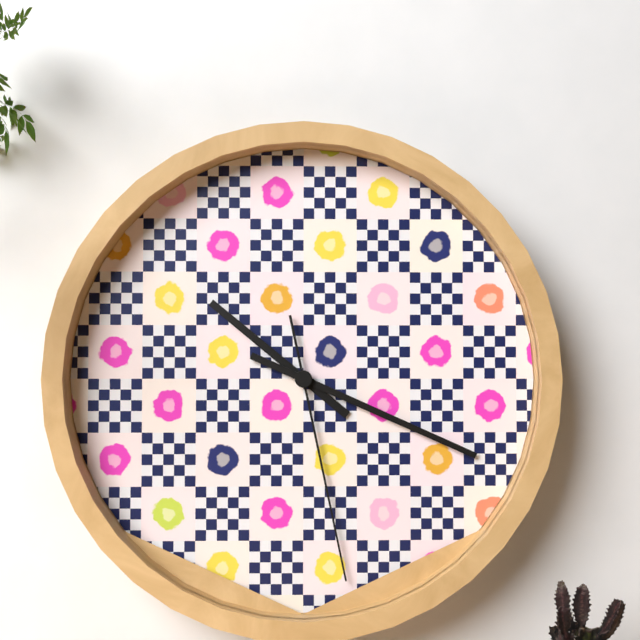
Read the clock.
10:19:28
